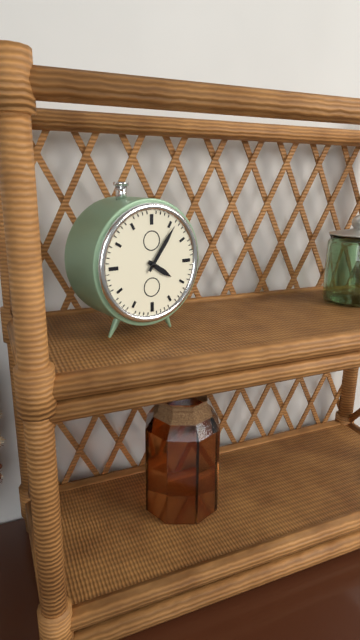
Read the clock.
4:06
